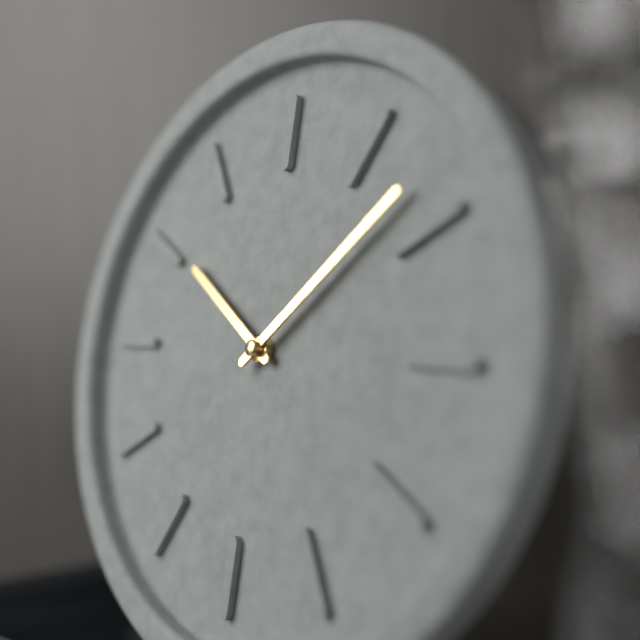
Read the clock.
10:08
